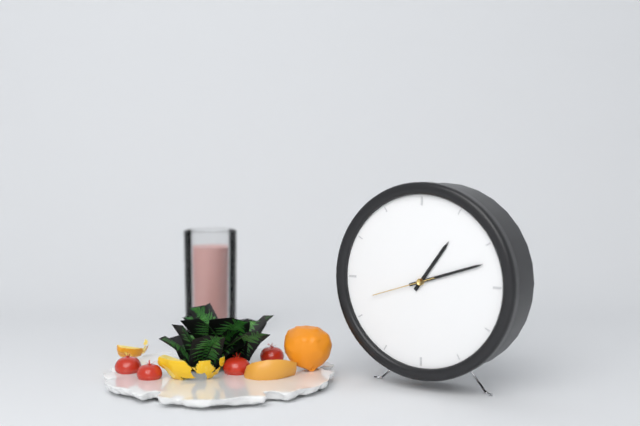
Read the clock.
1:12:42
